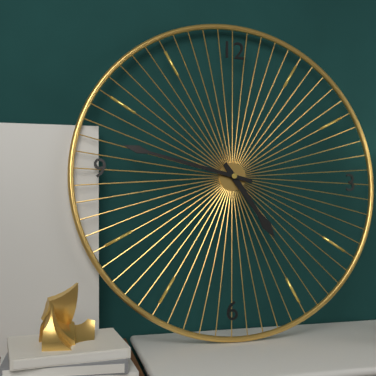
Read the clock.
4:47
